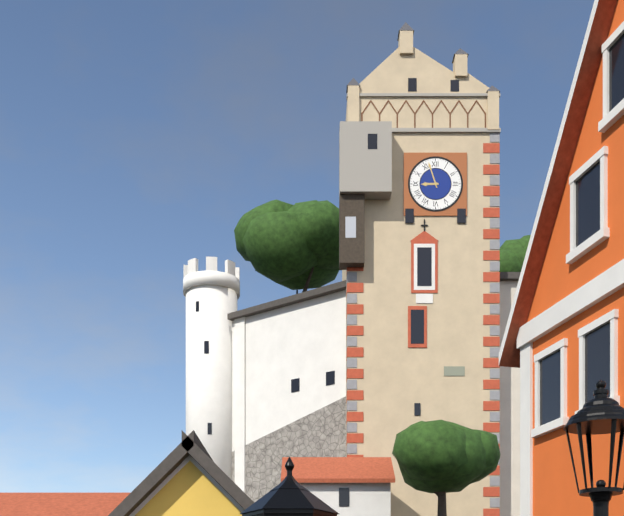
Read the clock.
8:57
